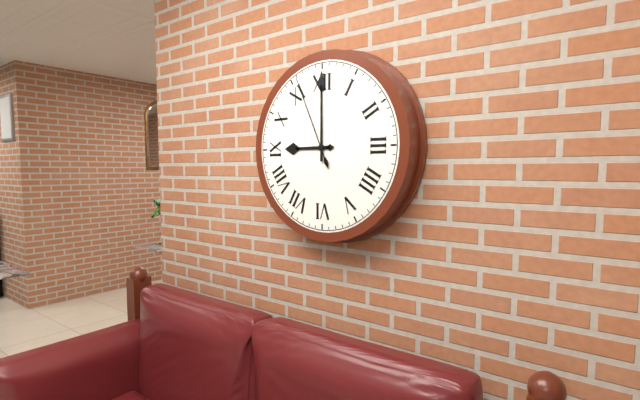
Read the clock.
9:00:56
